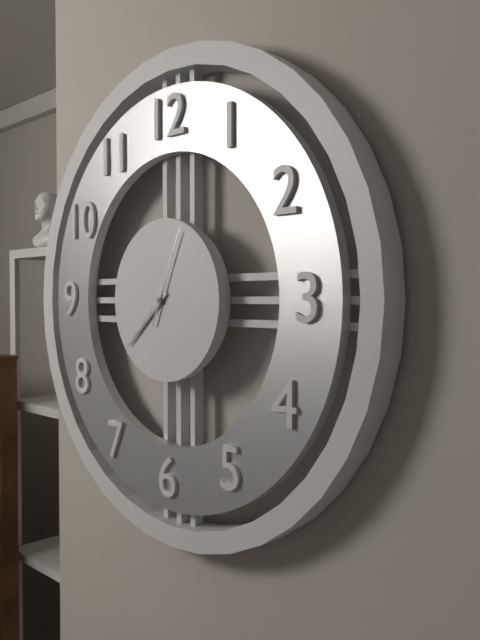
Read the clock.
7:38:04
